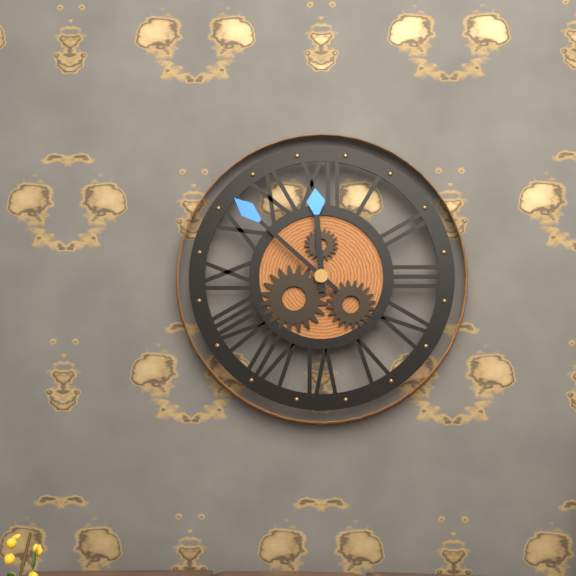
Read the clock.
11:52
